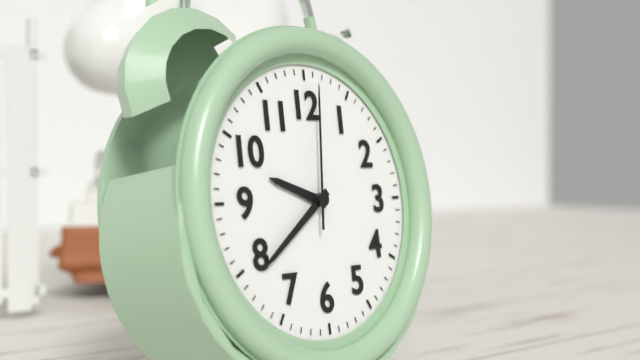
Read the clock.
9:39:01
